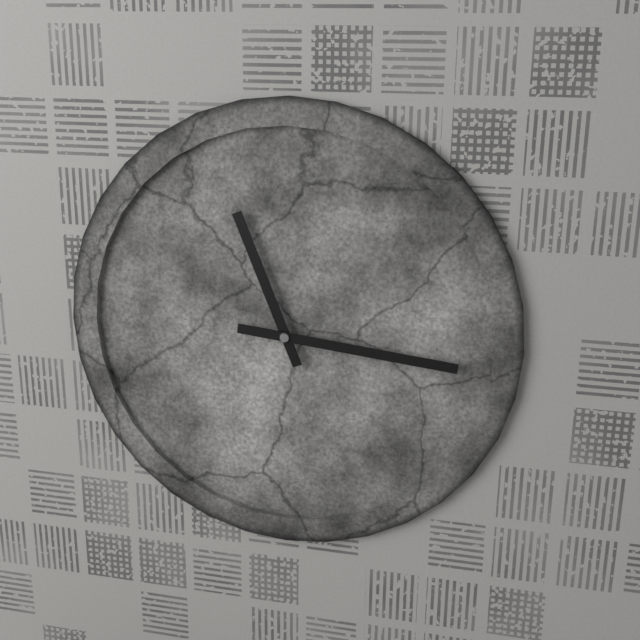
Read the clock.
11:16
